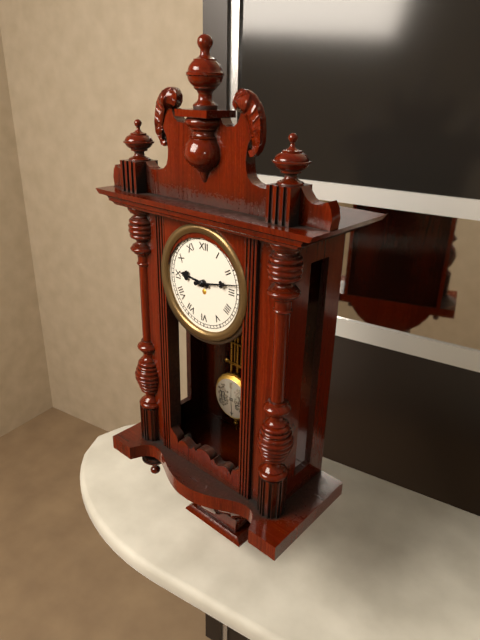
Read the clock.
9:13
